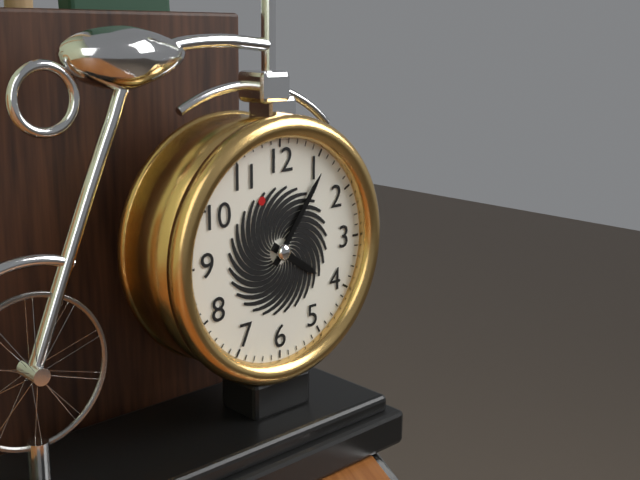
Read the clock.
4:06
